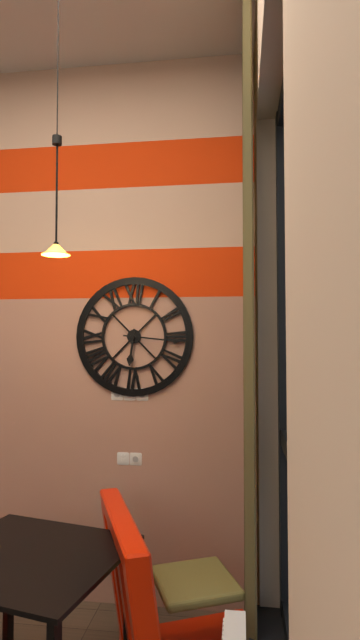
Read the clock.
6:16
